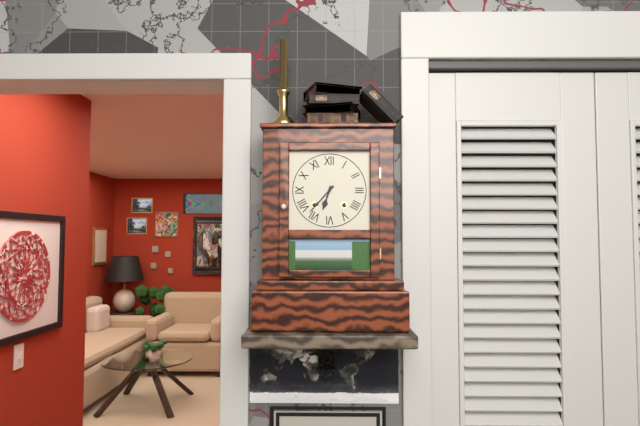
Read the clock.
6:37
